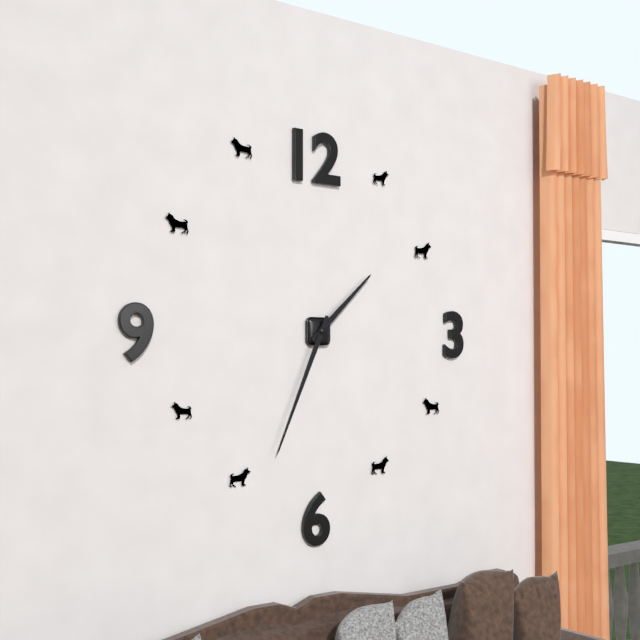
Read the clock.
1:34
